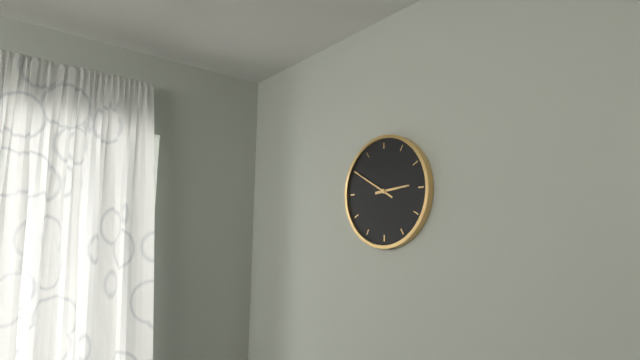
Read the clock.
2:50
